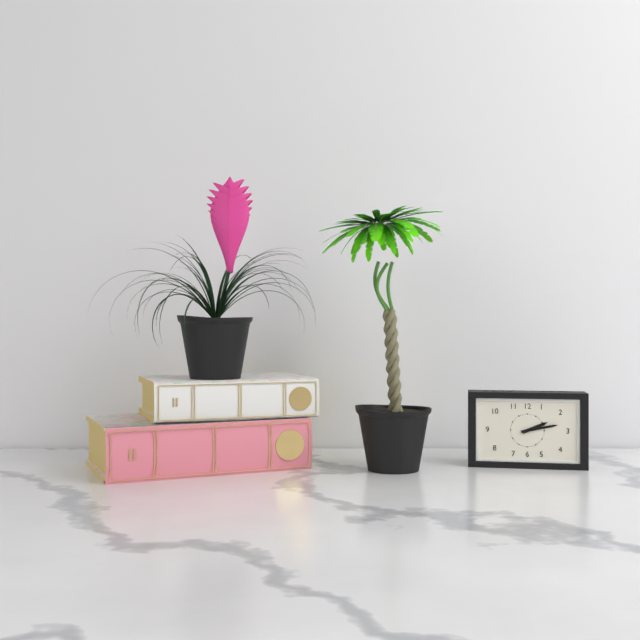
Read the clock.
2:13
